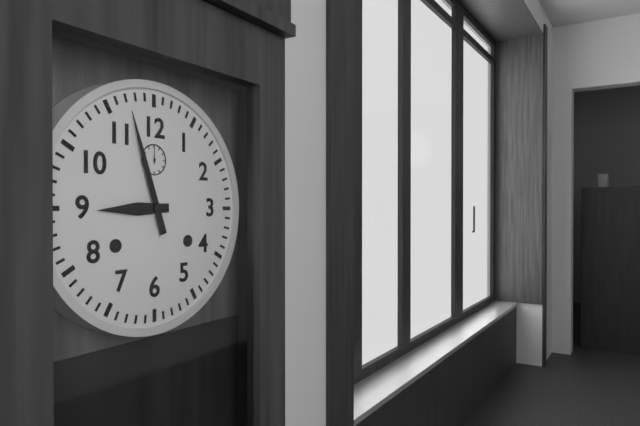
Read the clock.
8:57
